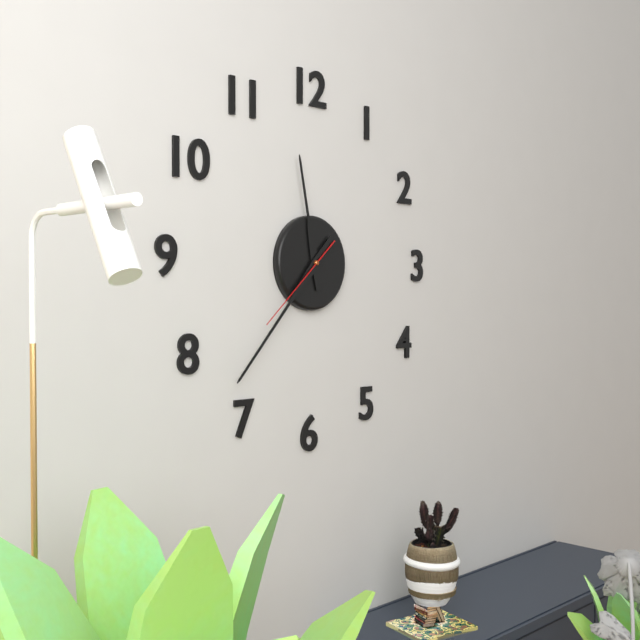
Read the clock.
11:37:38
